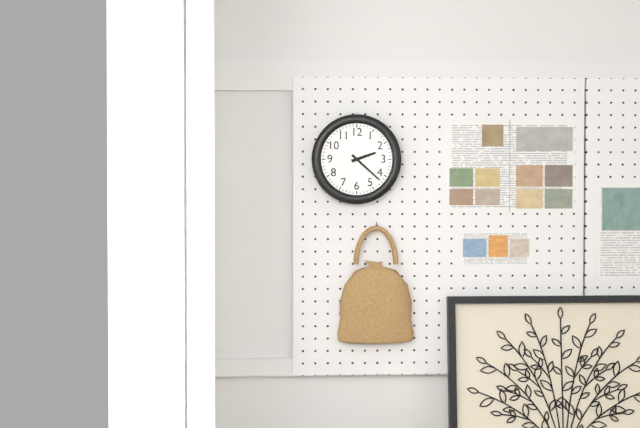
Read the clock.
2:22
